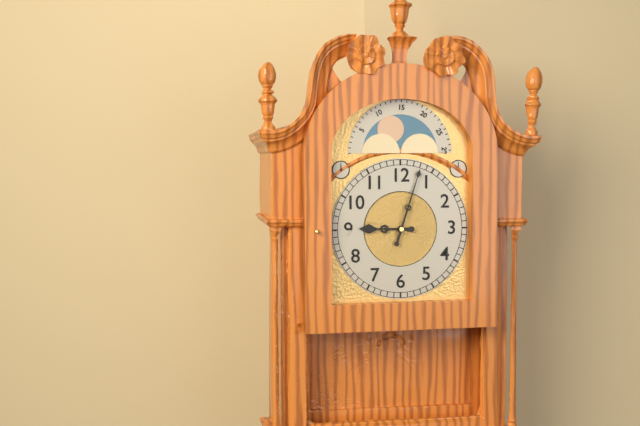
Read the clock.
9:03
